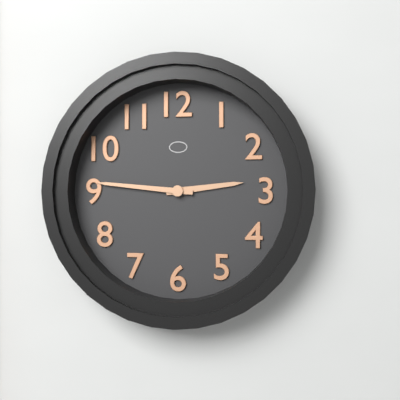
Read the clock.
2:46
